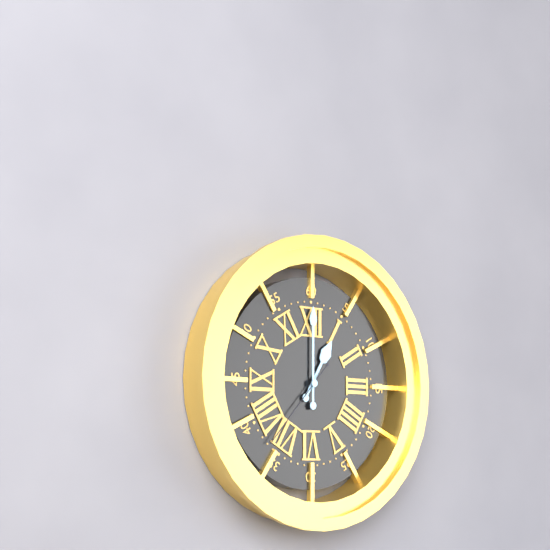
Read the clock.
1:00:37
